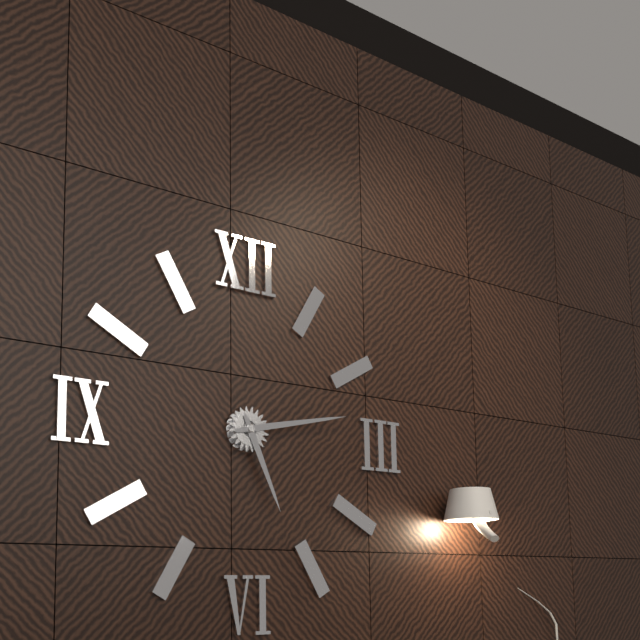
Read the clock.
5:13
